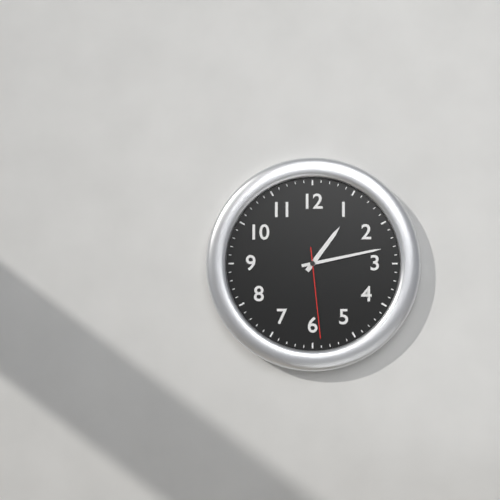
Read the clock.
1:13:29
